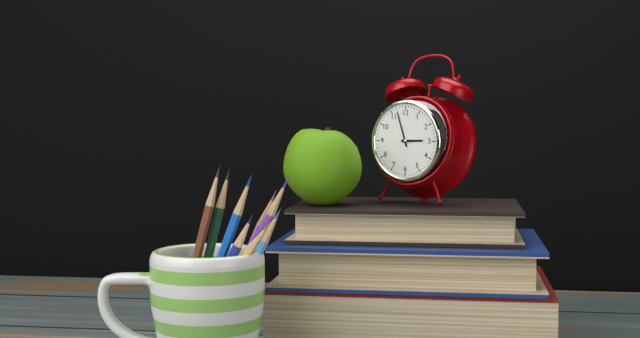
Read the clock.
2:57
